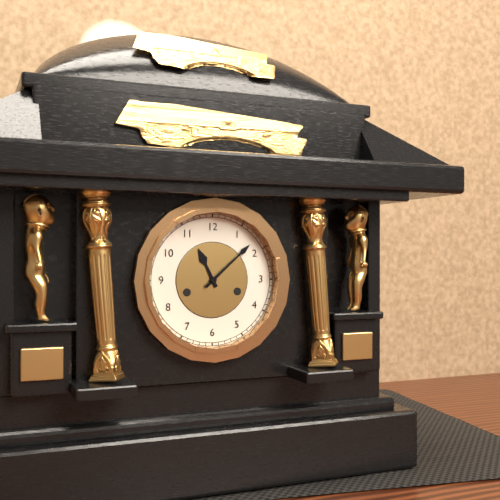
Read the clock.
11:08
